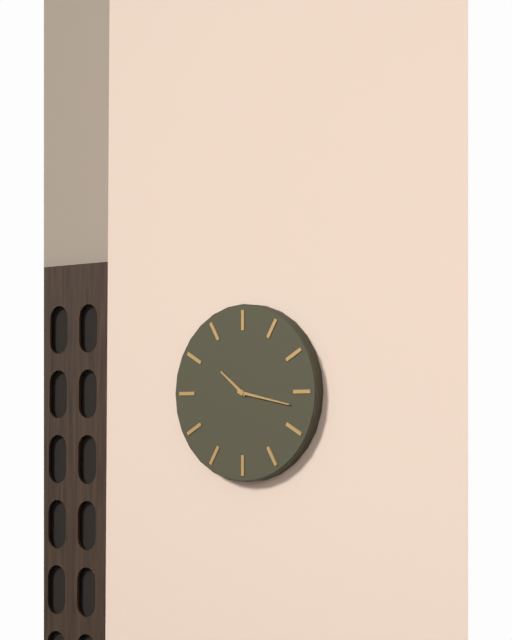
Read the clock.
10:17
